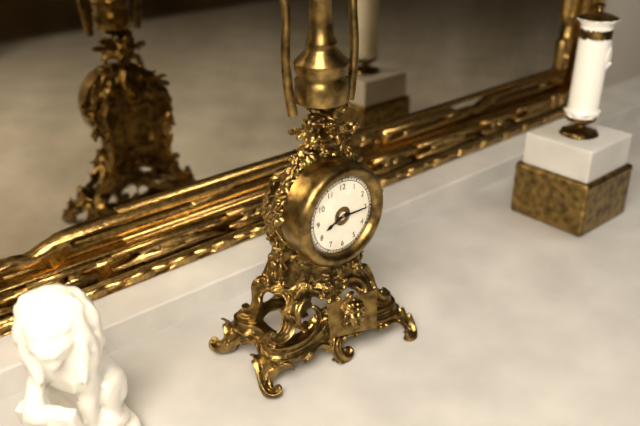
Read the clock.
8:15
